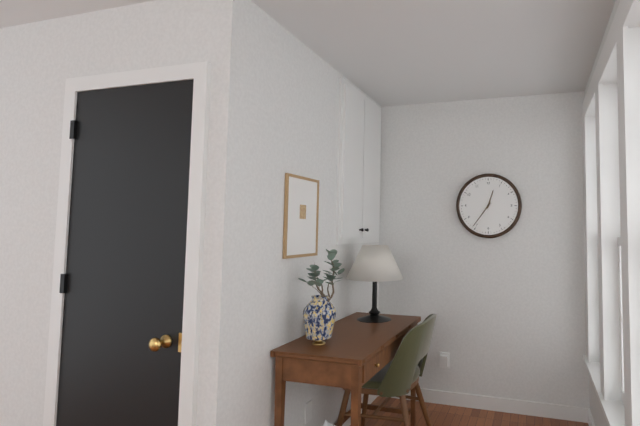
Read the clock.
12:36
